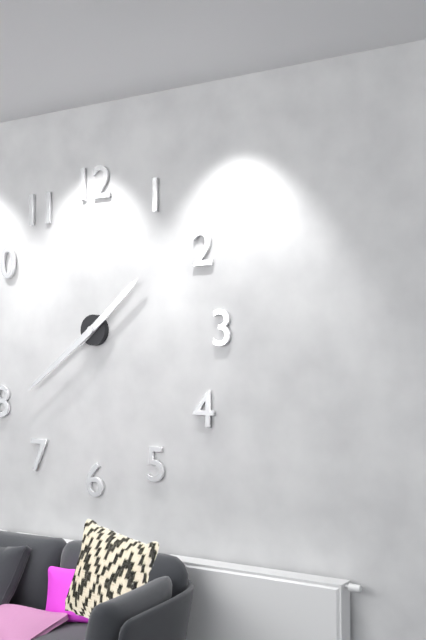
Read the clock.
1:39
